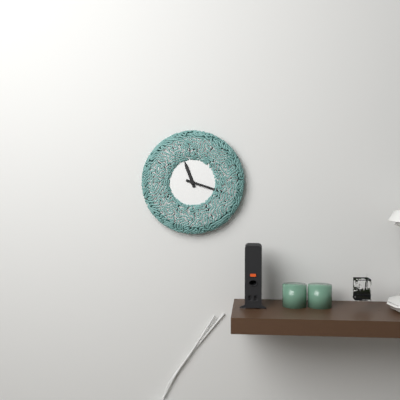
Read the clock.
11:18
